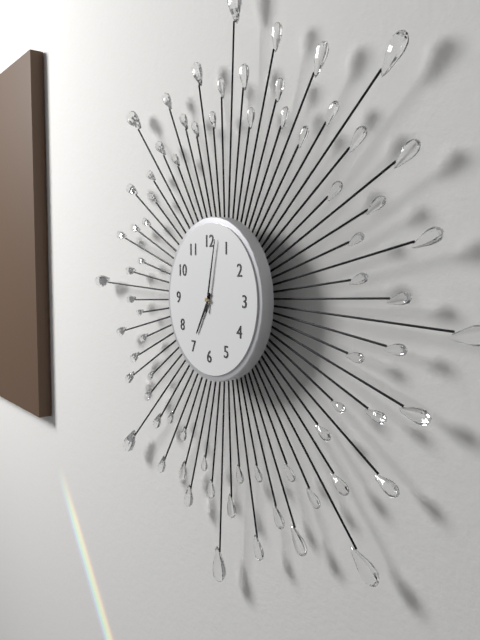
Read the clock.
7:02
